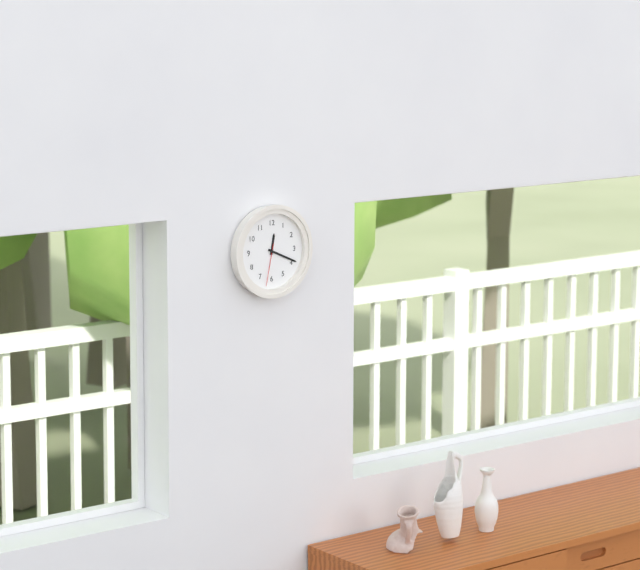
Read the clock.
12:19
